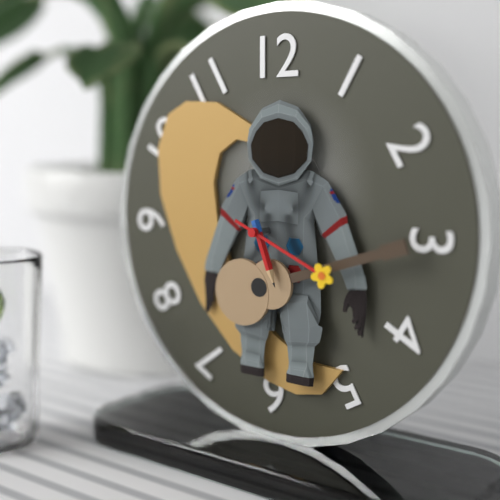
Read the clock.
5:19
